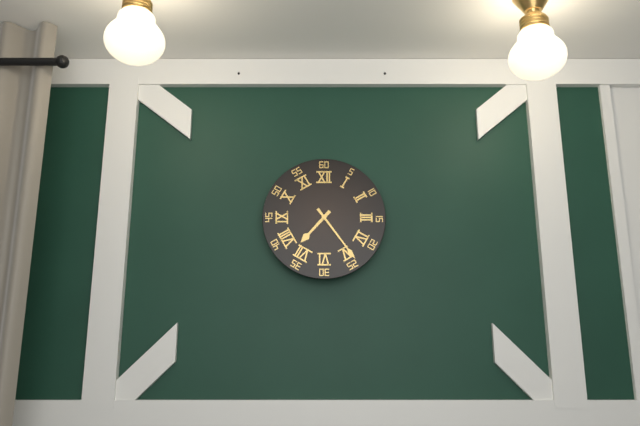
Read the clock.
7:24
